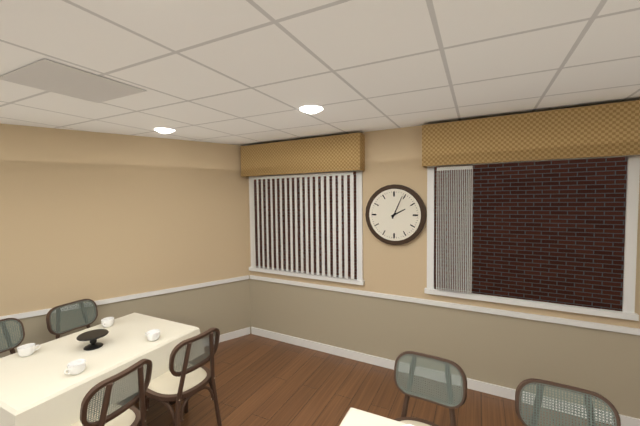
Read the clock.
2:04
